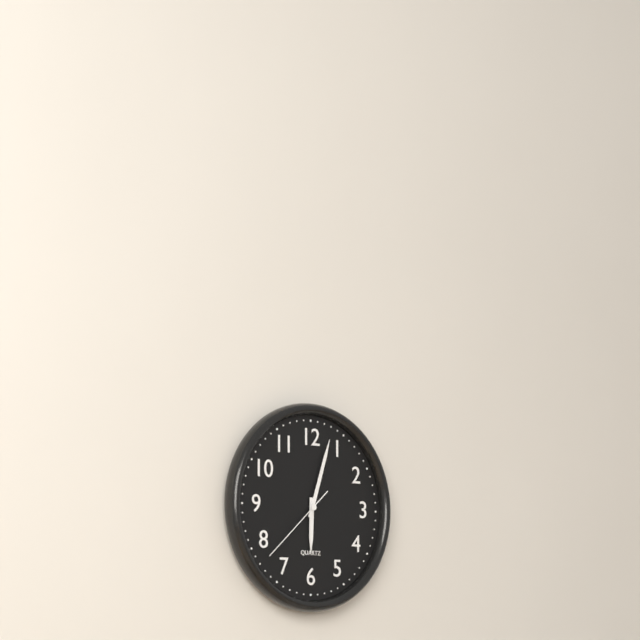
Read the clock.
6:03:38
